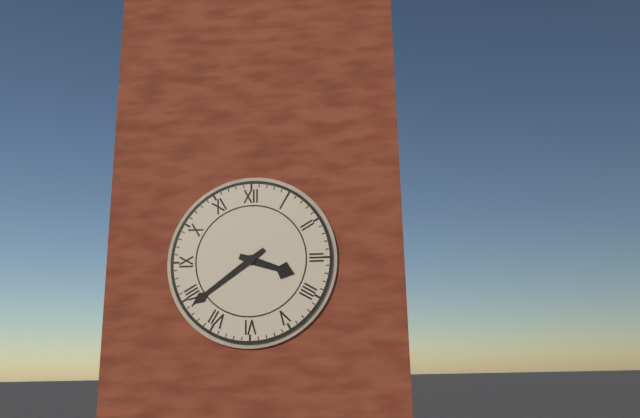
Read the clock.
3:39
